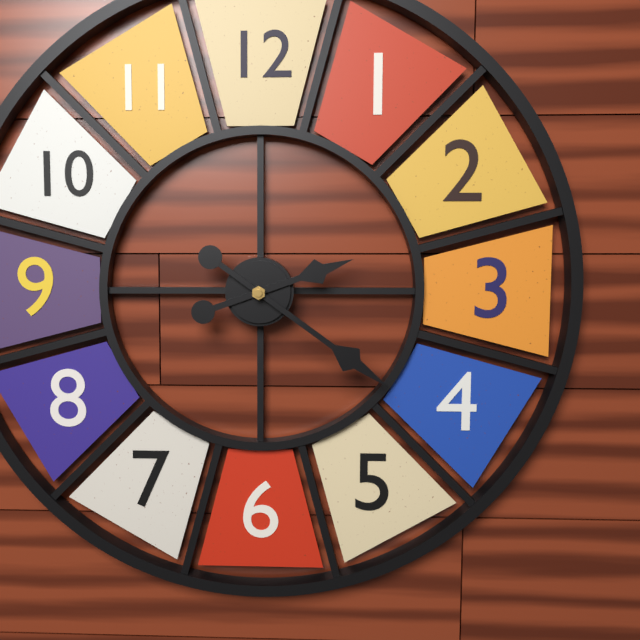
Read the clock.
2:21
